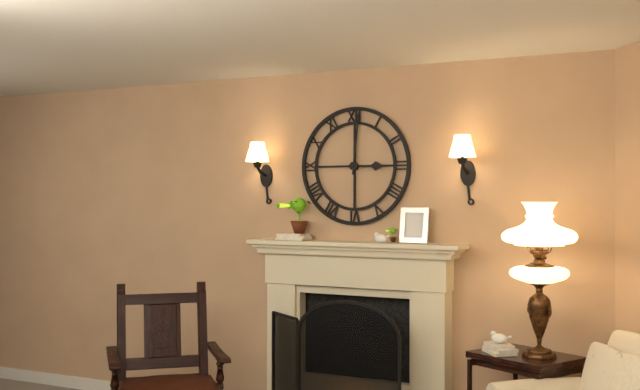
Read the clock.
3:01
